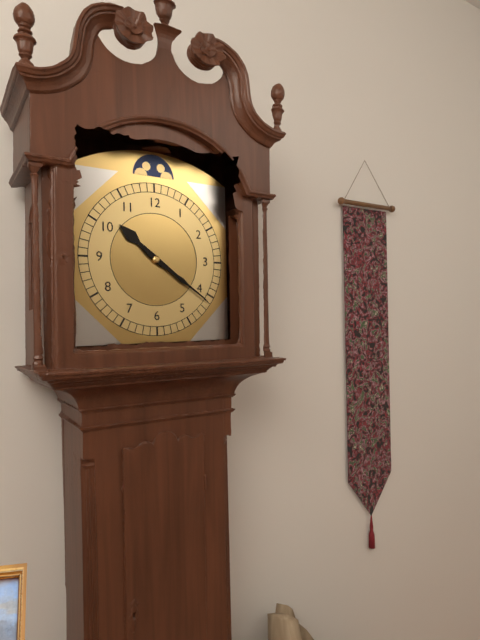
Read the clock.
10:21
